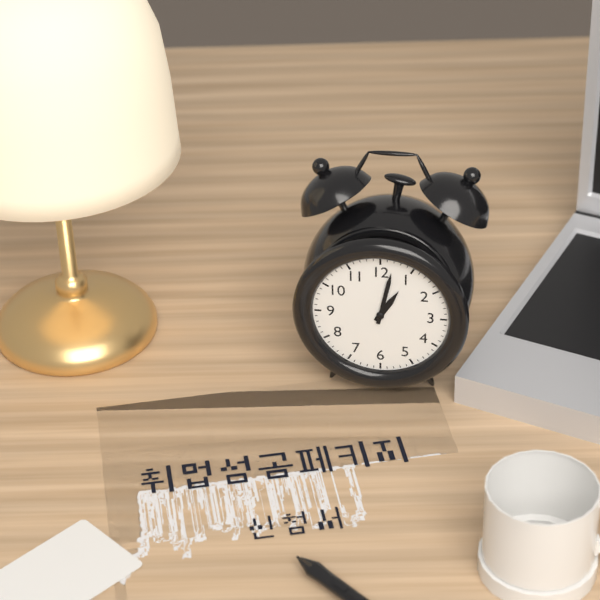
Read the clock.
1:02
